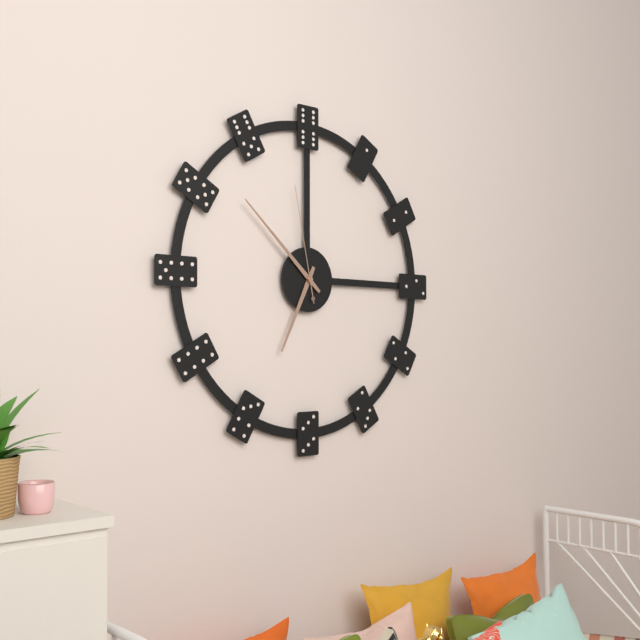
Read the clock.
6:52:58
